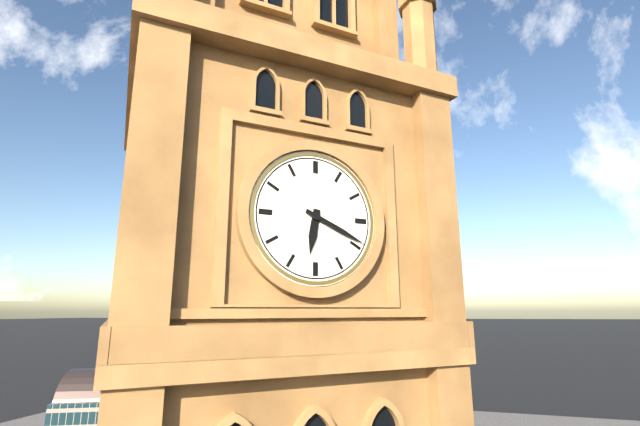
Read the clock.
6:19
